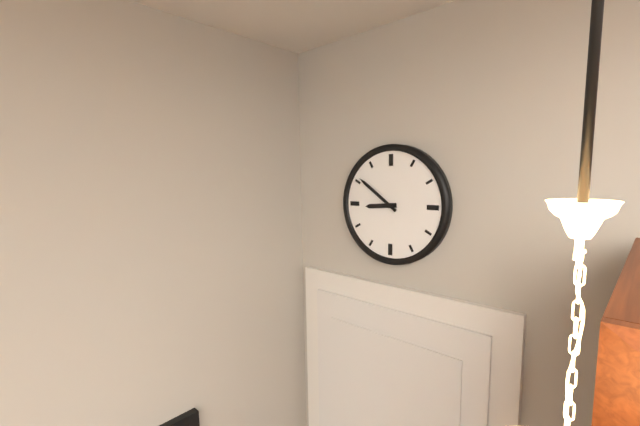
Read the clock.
8:51
